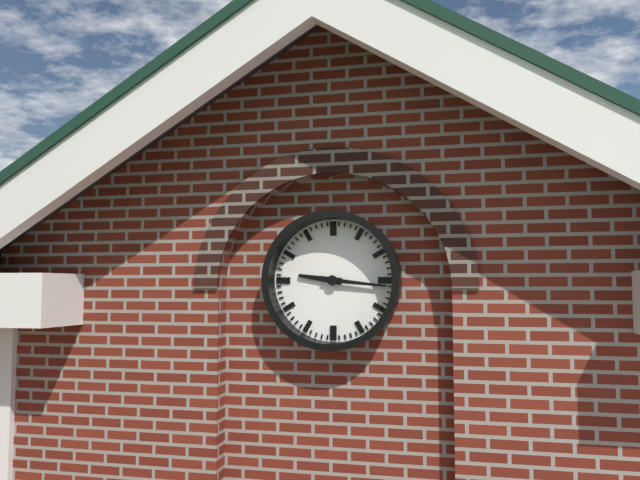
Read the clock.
9:16
